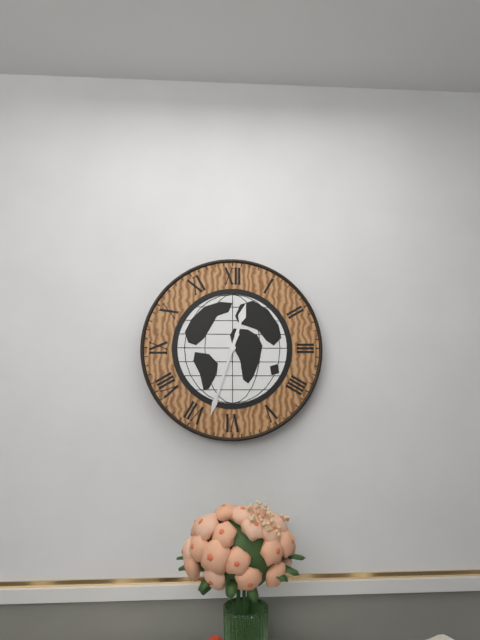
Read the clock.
12:33
